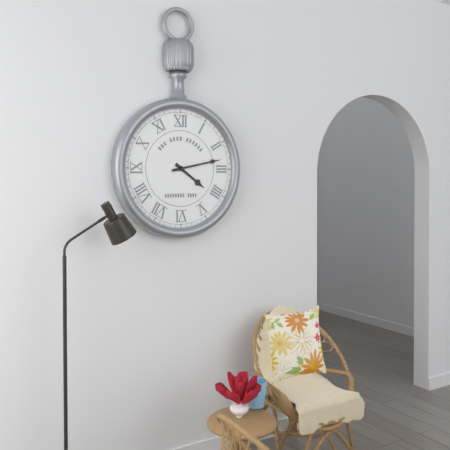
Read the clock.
4:13
